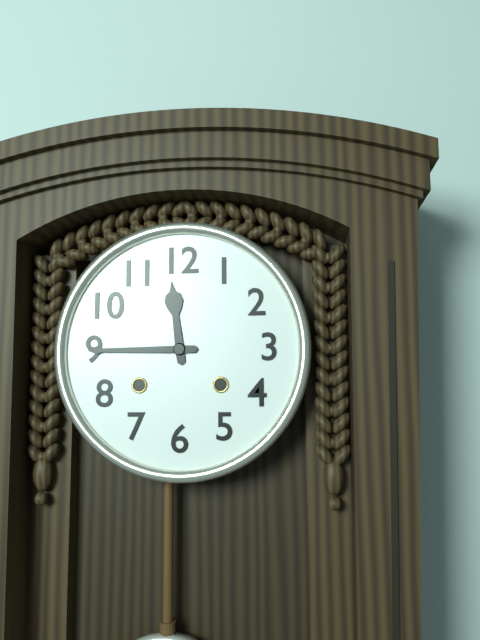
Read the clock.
11:45
